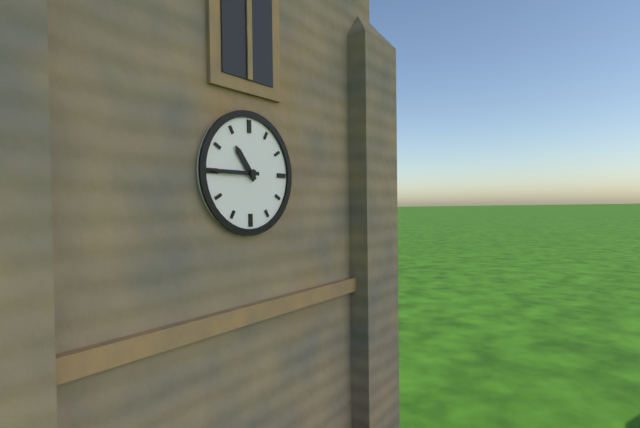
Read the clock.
10:45
